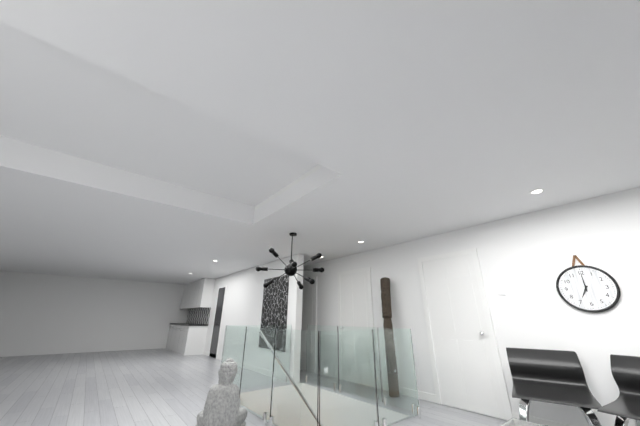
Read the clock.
7:00
